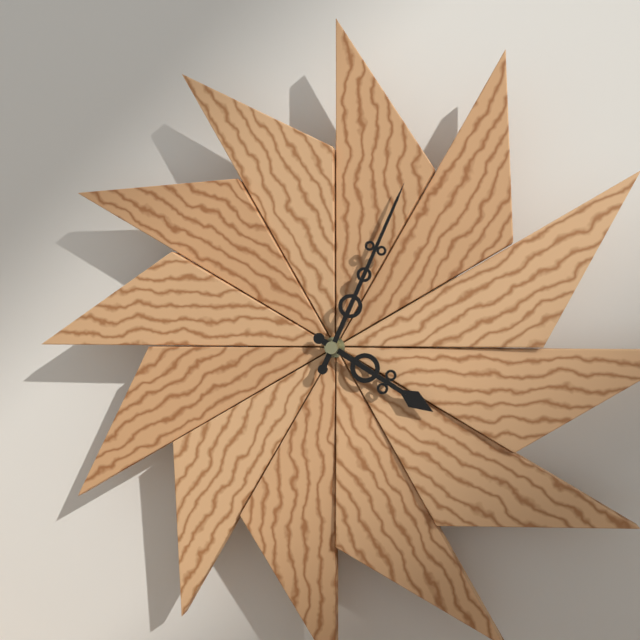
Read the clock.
4:04
